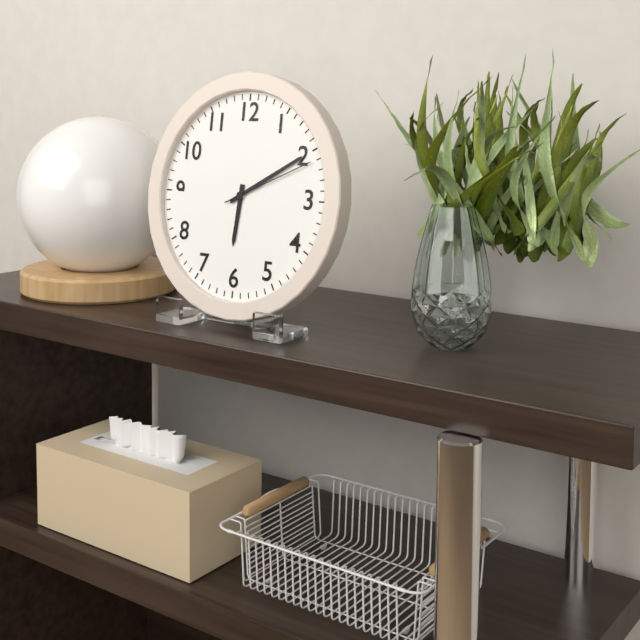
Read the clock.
6:10:11
